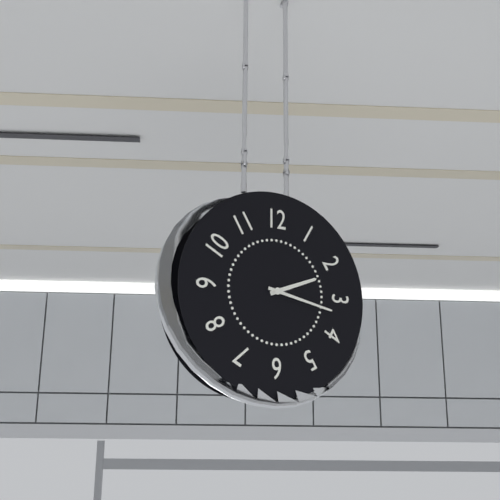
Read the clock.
2:17
